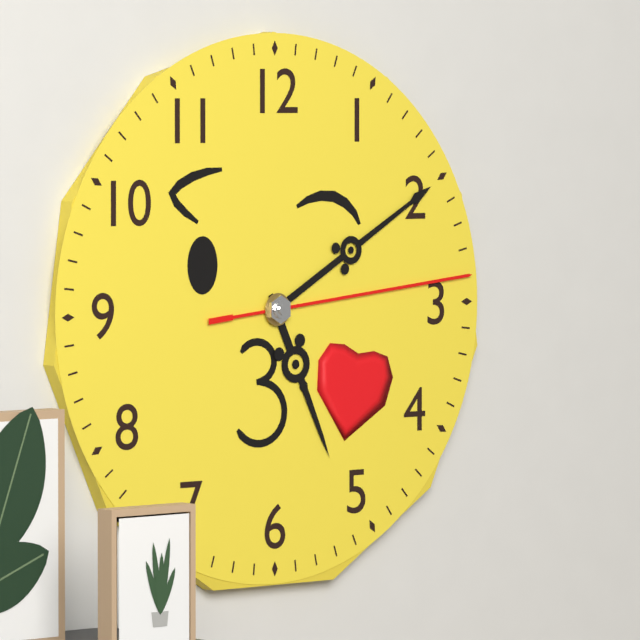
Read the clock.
5:10:14
